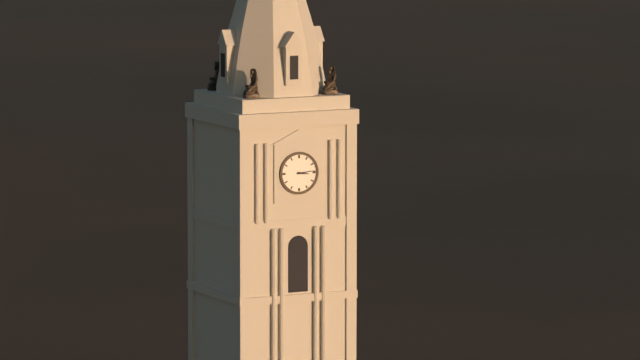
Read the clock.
3:14
